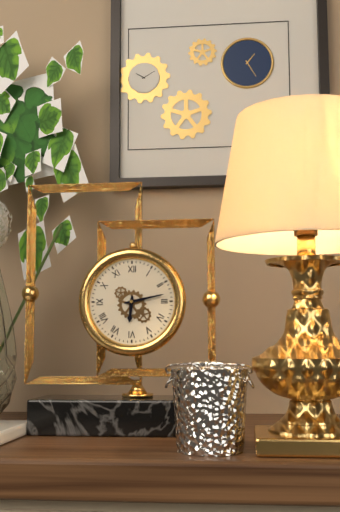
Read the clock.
6:13
